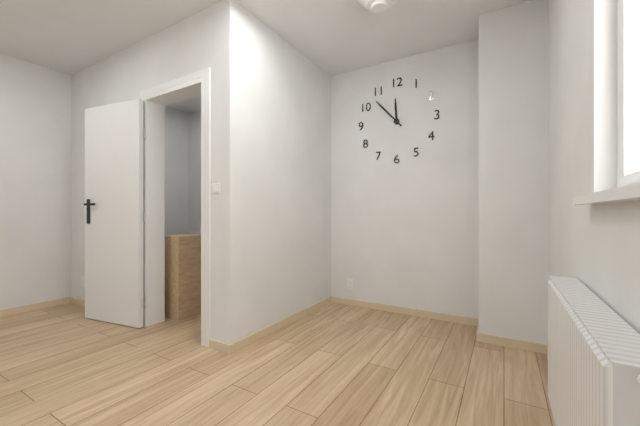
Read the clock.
11:53
